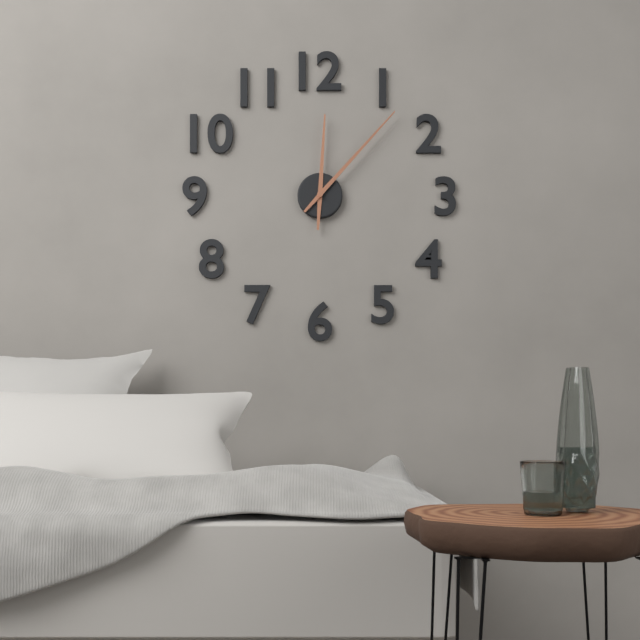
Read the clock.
12:07
